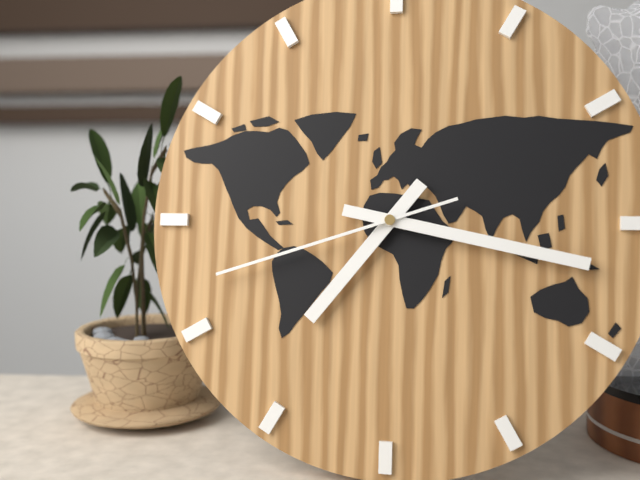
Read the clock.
7:17:42
